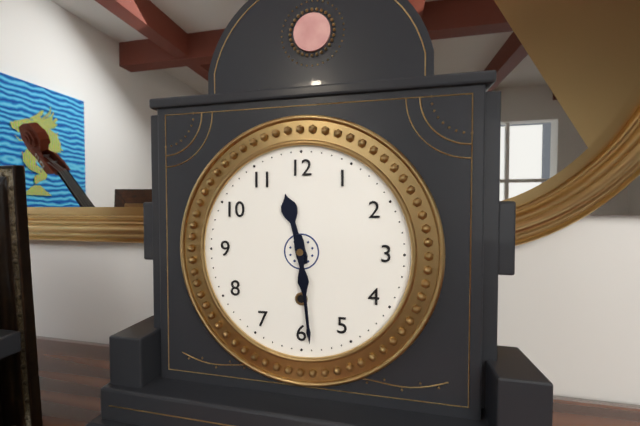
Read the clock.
11:29
